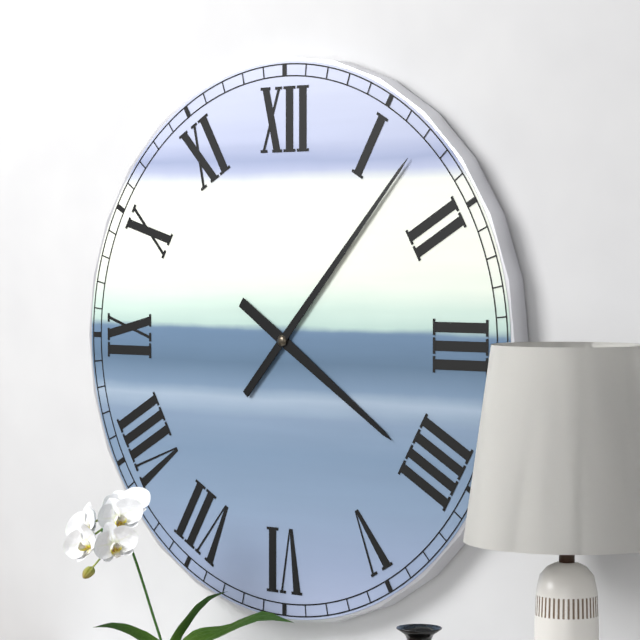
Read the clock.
4:07
